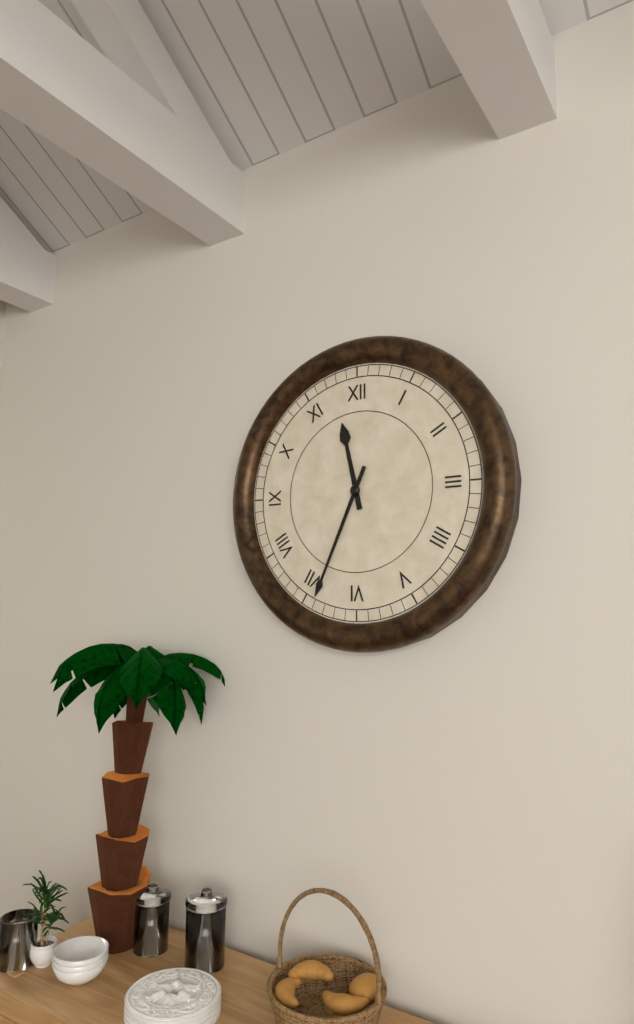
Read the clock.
11:34
